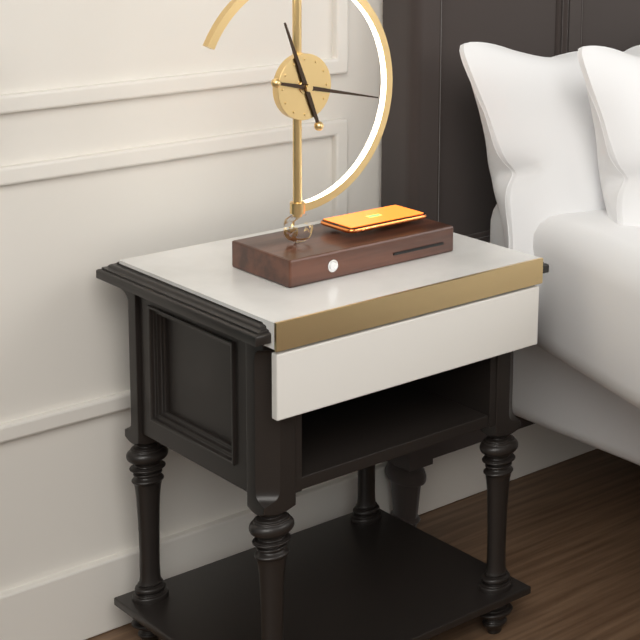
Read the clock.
11:17
